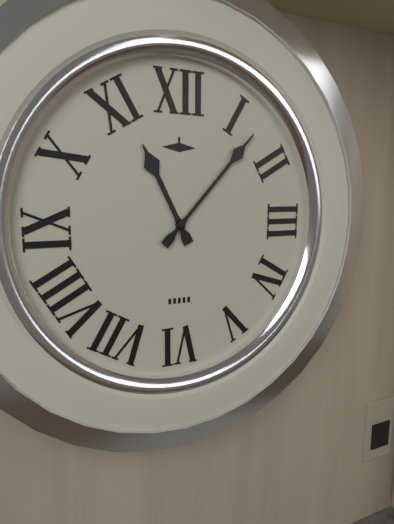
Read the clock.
11:07
